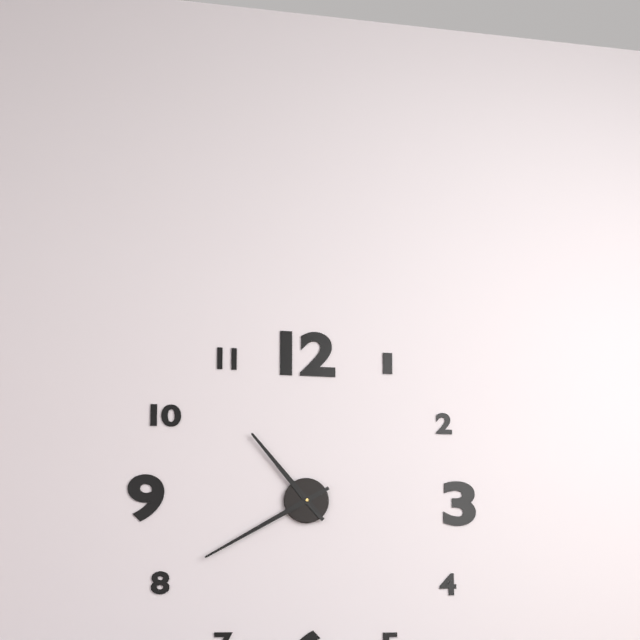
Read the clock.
10:40
